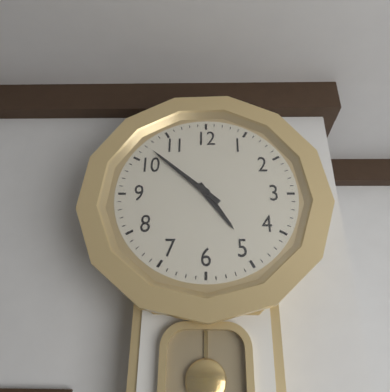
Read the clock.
4:52
